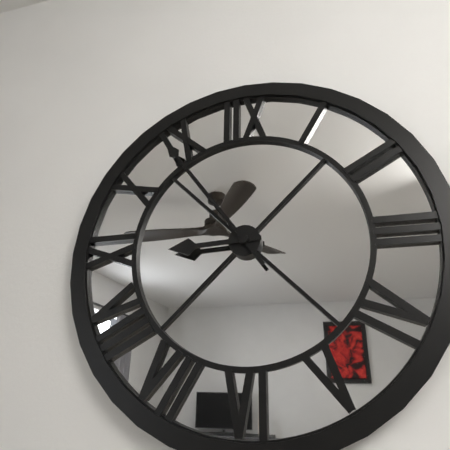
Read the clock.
8:54
